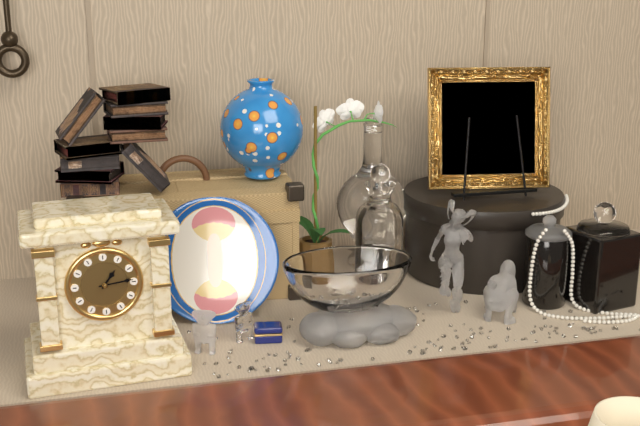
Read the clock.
1:14
